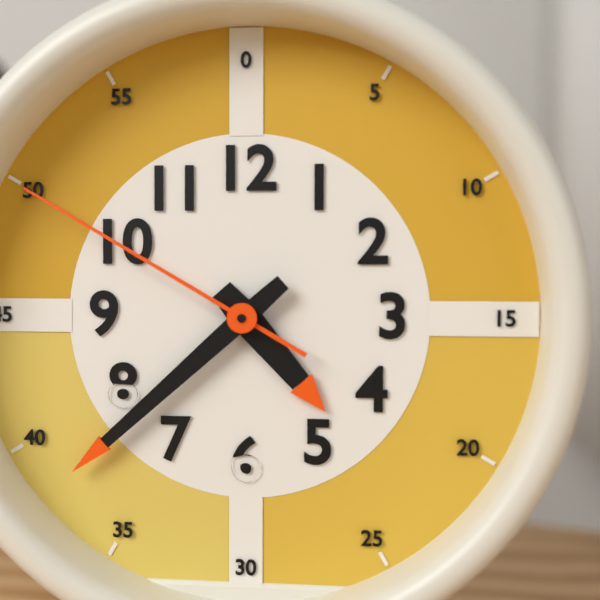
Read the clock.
4:38:50
